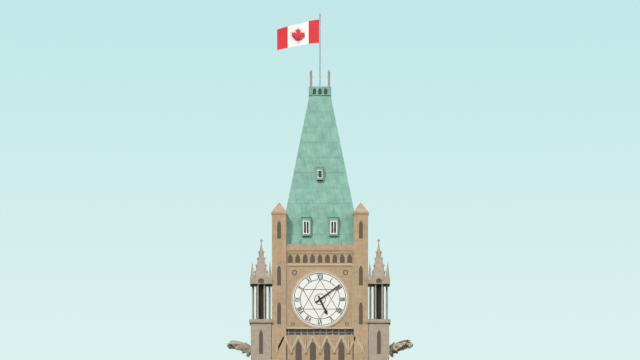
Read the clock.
5:09
